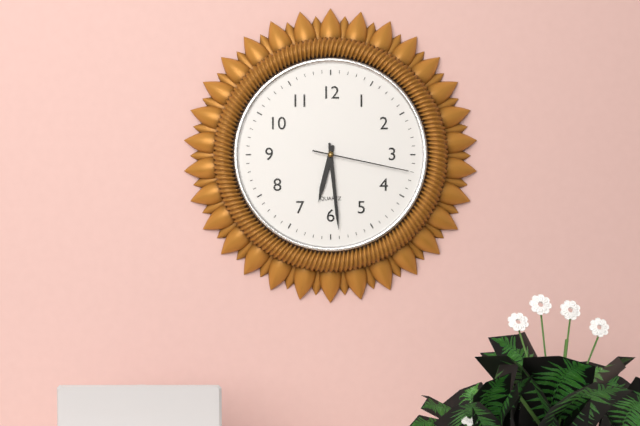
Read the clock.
6:29:17
